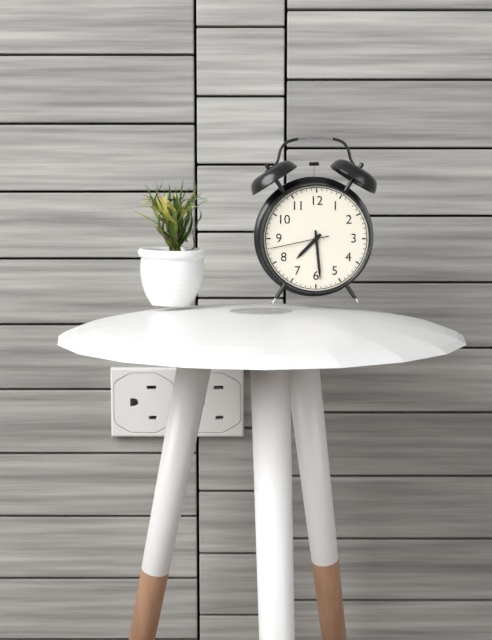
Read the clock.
7:29:43
